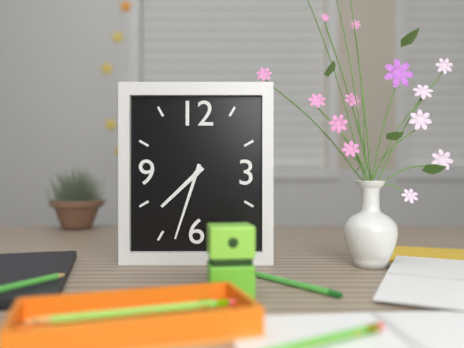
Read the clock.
7:33
